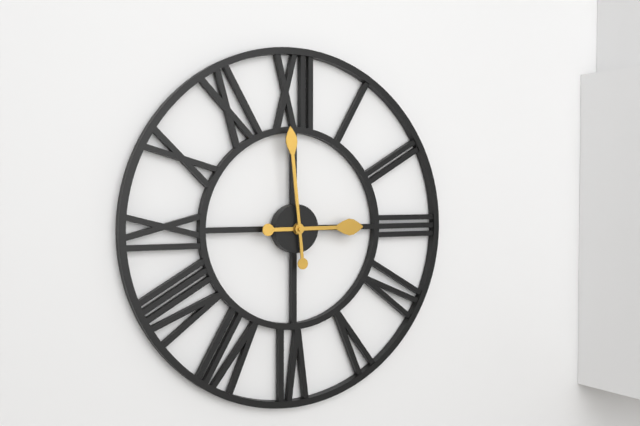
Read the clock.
2:59
